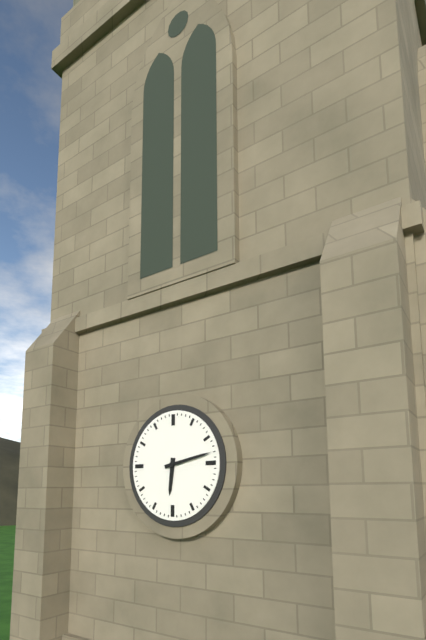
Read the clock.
6:13
